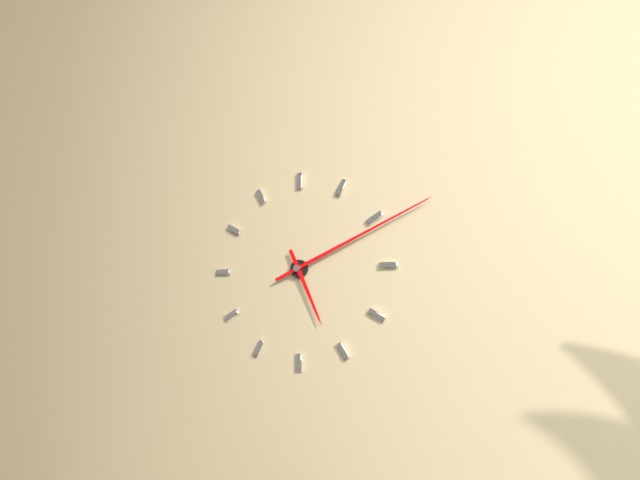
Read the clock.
5:11
